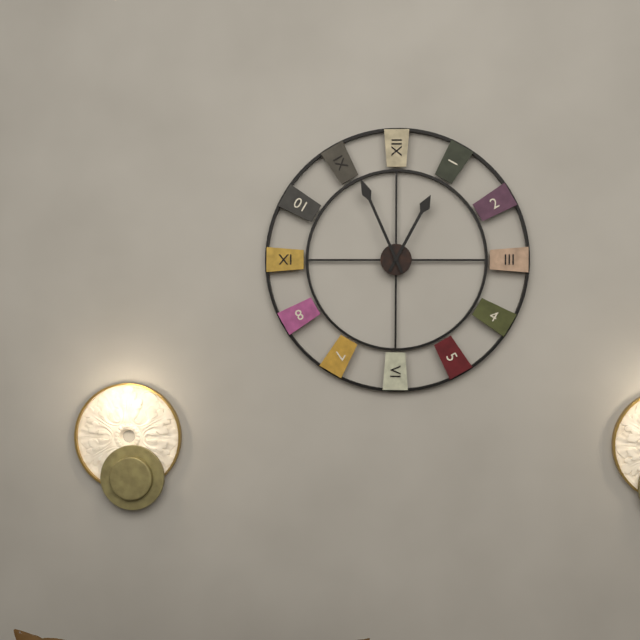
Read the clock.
12:56
